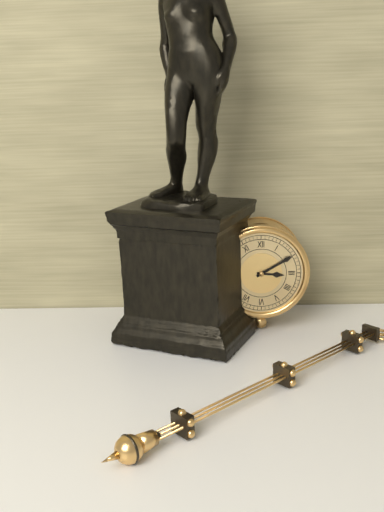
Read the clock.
3:10
